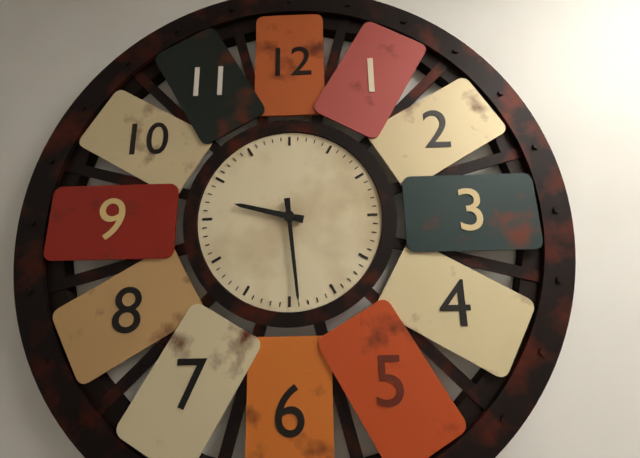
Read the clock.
9:29
